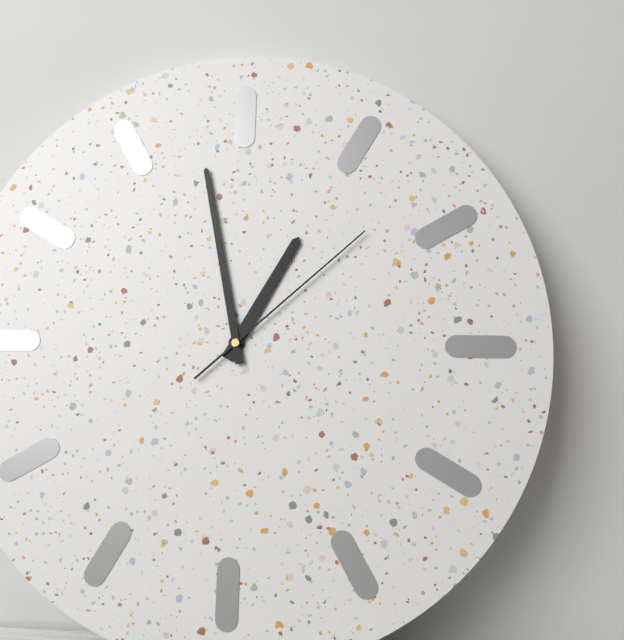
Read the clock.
12:58:08
